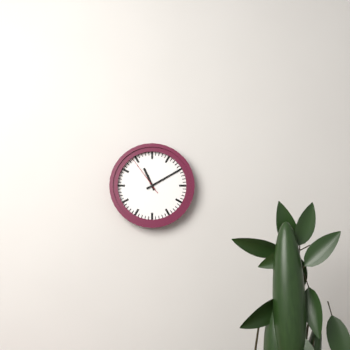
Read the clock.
11:10
